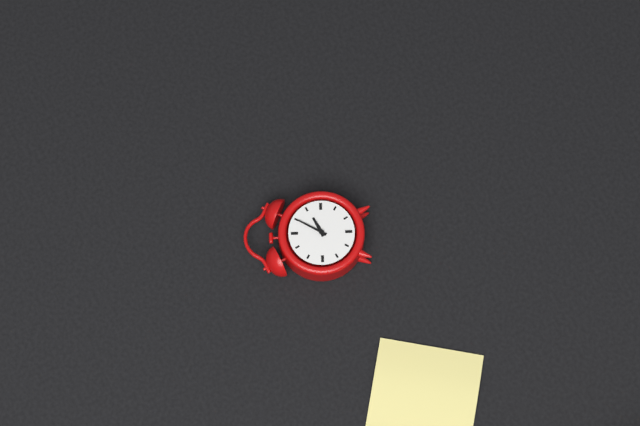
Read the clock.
2:05
